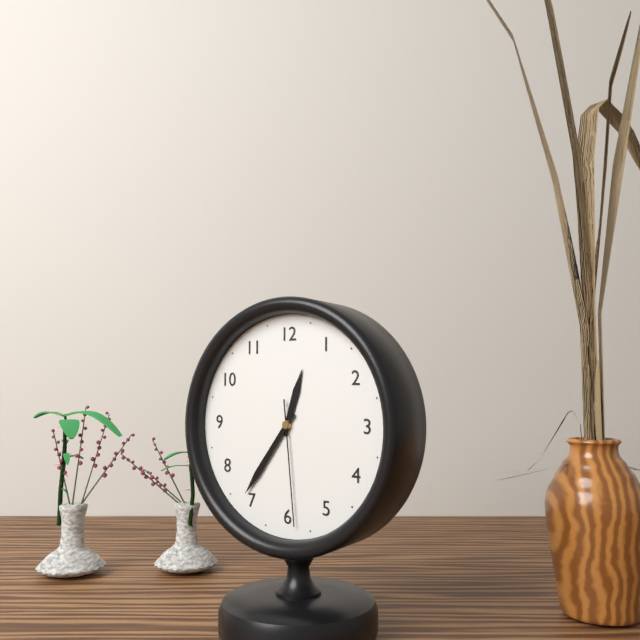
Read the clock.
12:36:29
